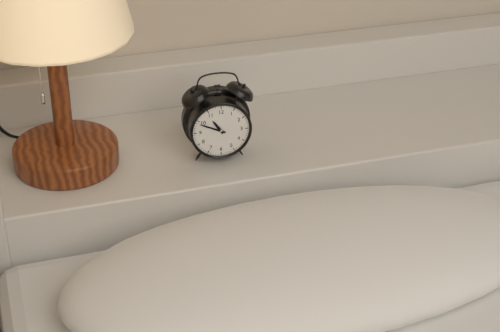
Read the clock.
10:49
